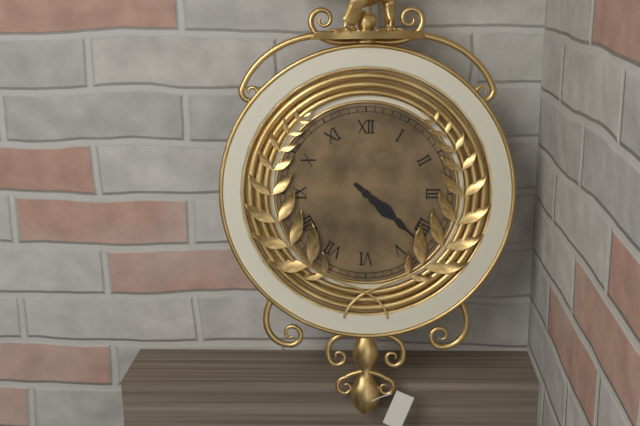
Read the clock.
4:22
